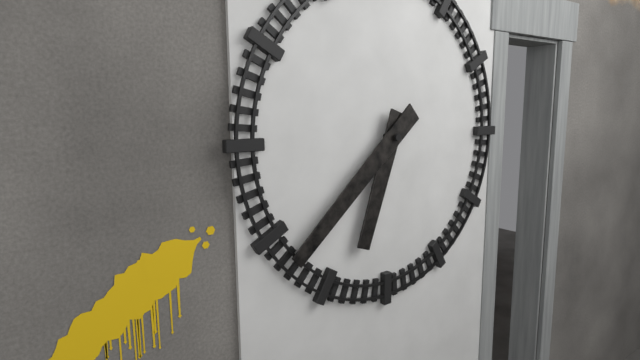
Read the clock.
6:38
